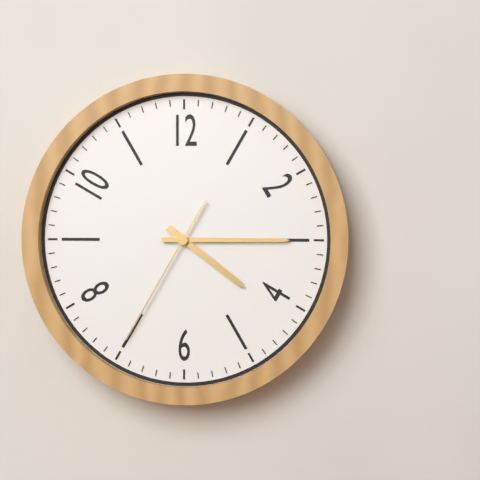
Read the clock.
4:15:35
